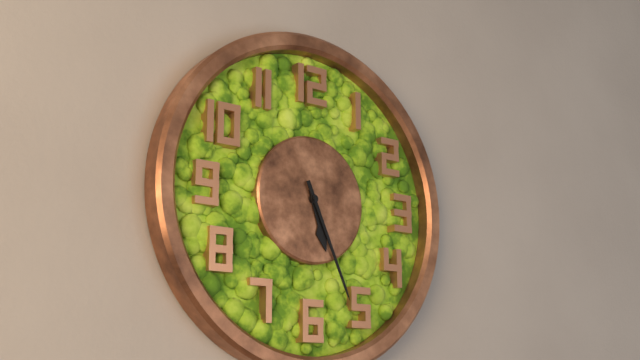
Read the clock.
5:26
